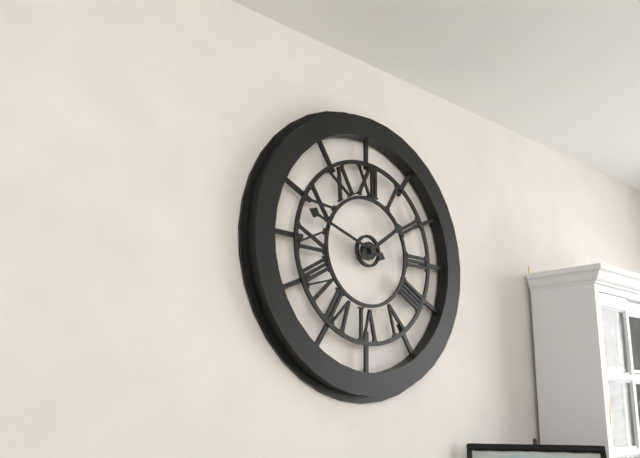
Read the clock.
1:48
